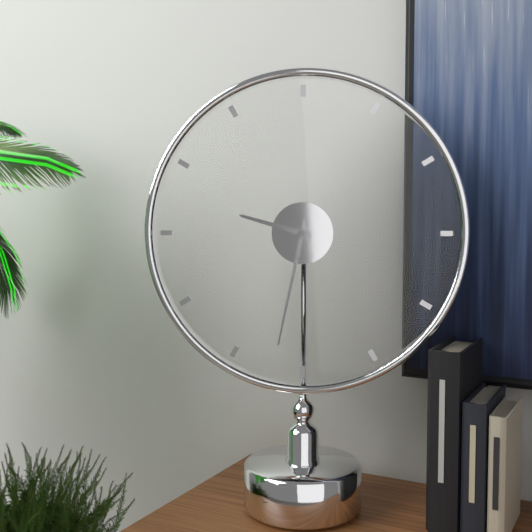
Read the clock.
9:32
